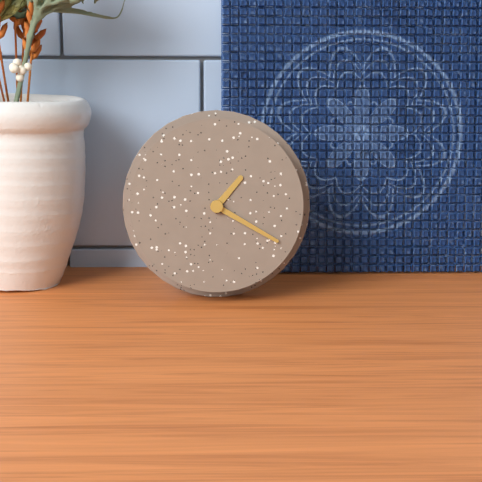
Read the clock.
1:20
